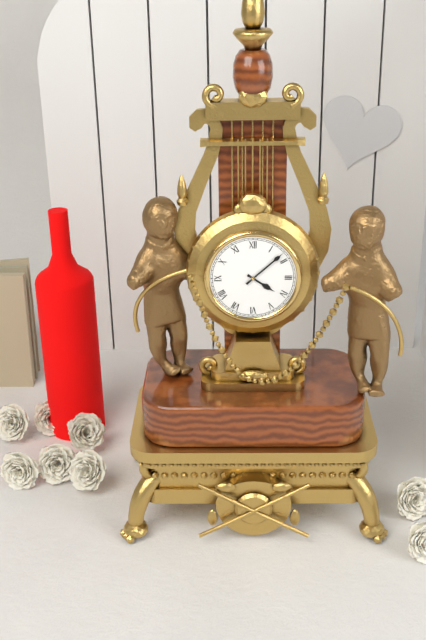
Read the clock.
4:08
